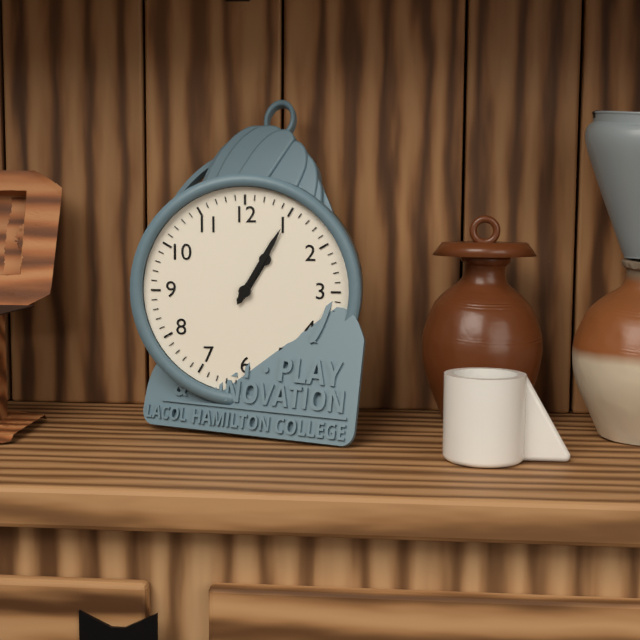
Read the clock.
1:05
